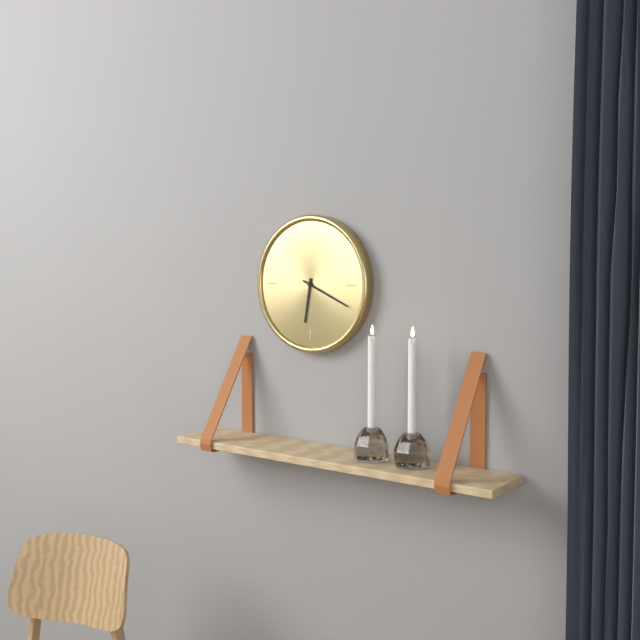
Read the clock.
6:19
